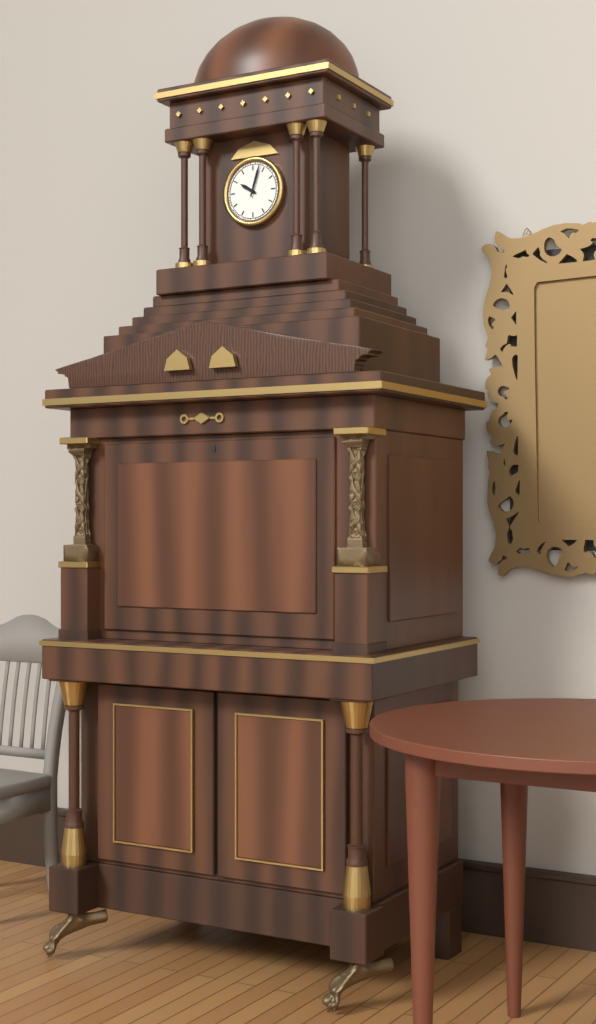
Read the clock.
10:03
